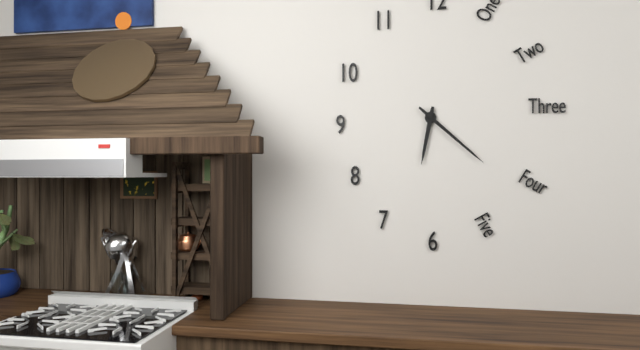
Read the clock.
6:22
